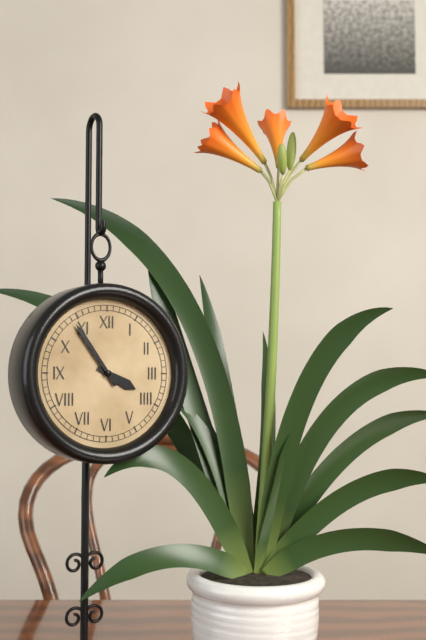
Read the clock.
3:54
